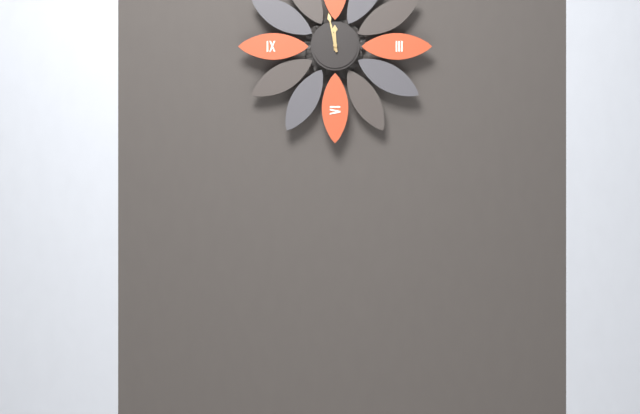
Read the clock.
11:58
